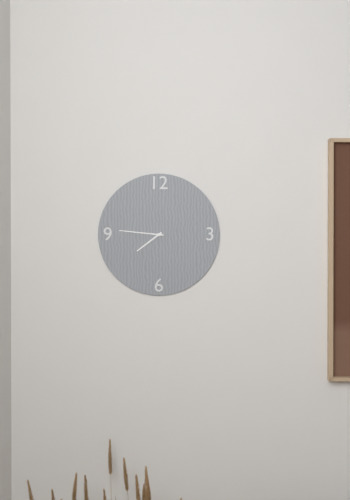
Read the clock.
7:46
